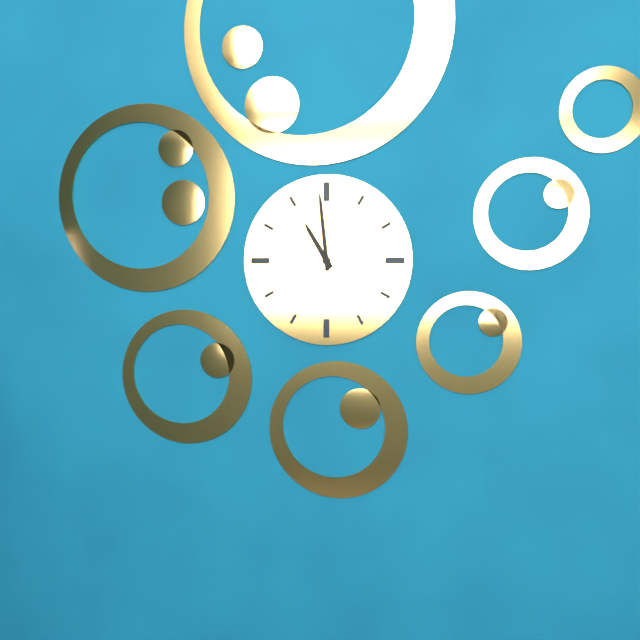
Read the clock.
10:59
